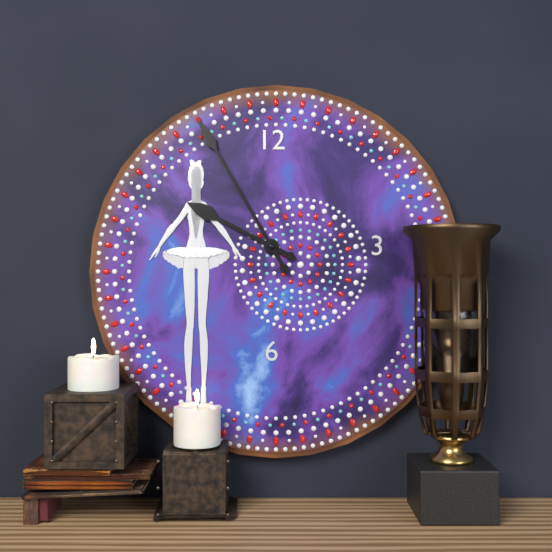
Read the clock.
9:55
